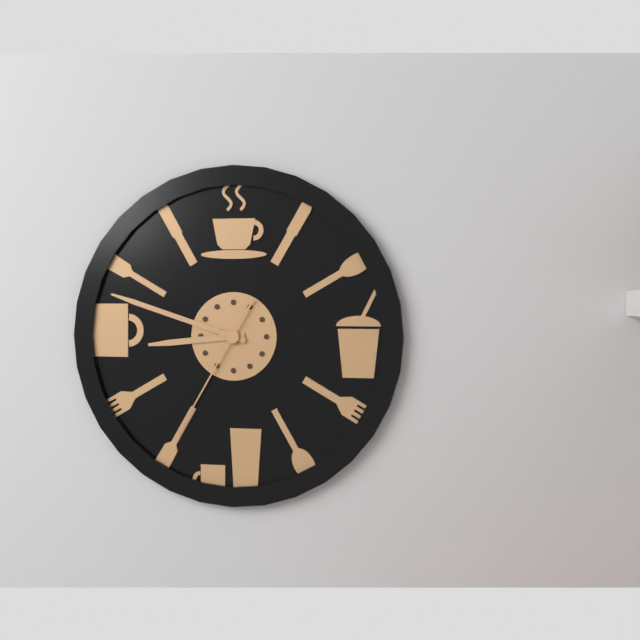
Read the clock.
8:48:35
